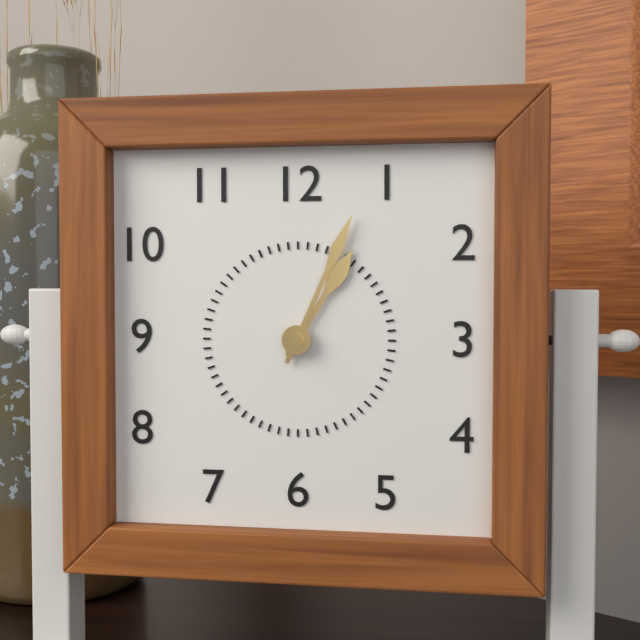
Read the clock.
1:04
